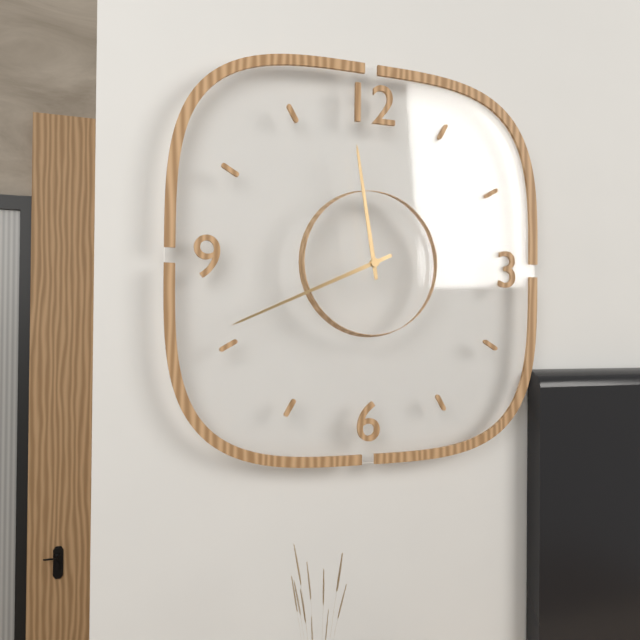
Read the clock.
11:41
